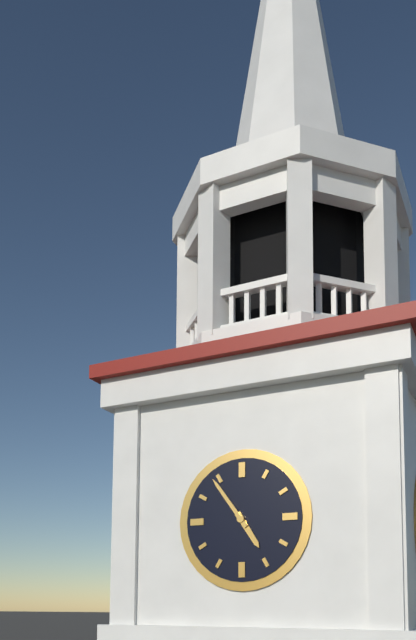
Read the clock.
4:54
